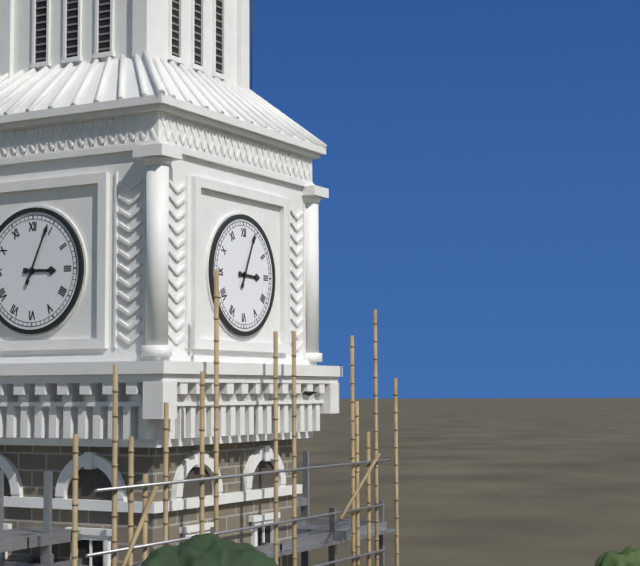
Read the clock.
3:04
